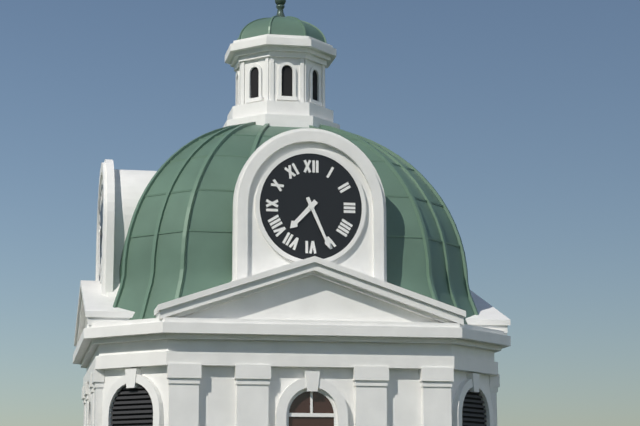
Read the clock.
7:26
